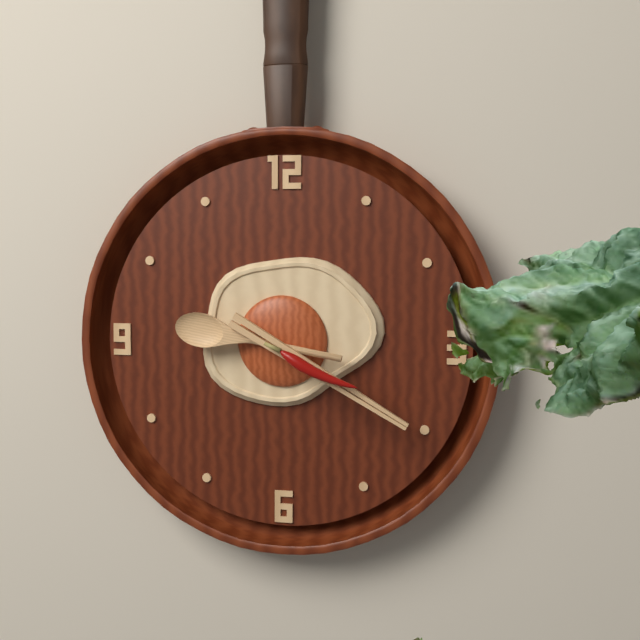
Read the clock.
9:20:19
